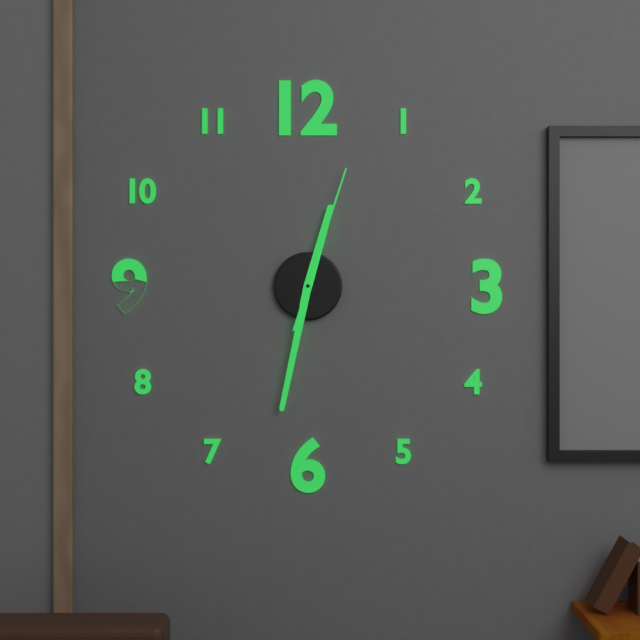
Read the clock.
12:32:03
